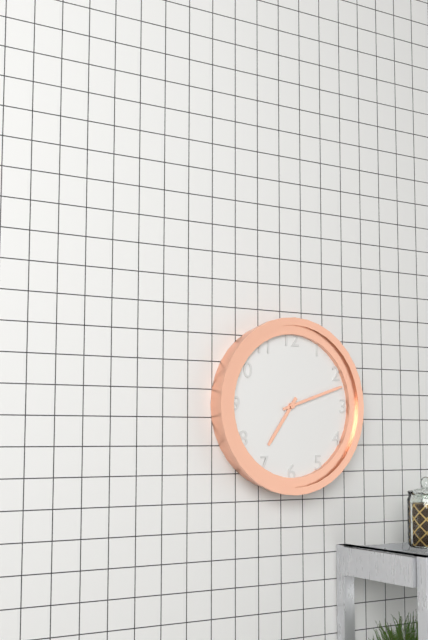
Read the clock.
7:12
